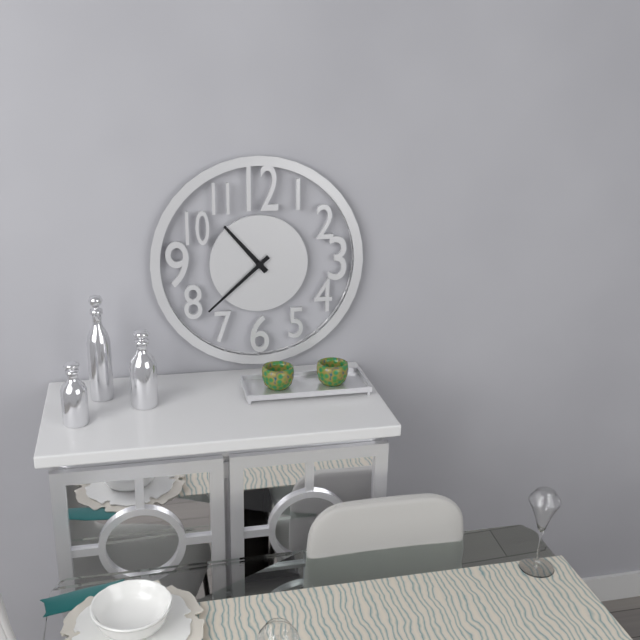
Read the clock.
10:38
